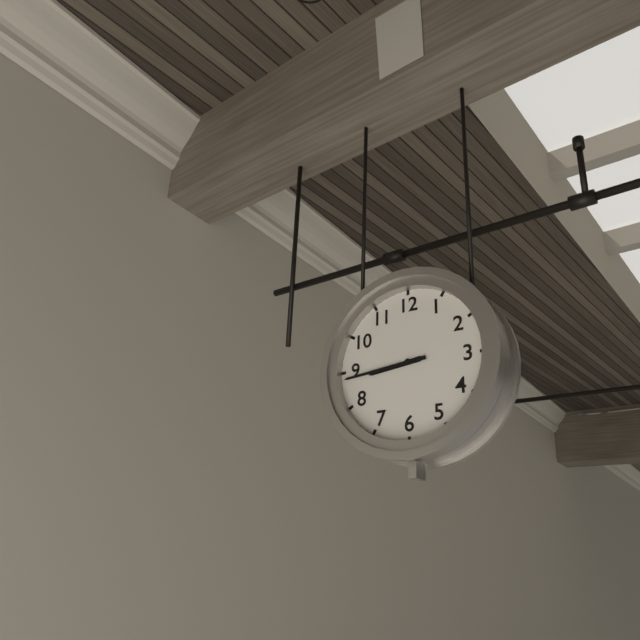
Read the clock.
8:44
